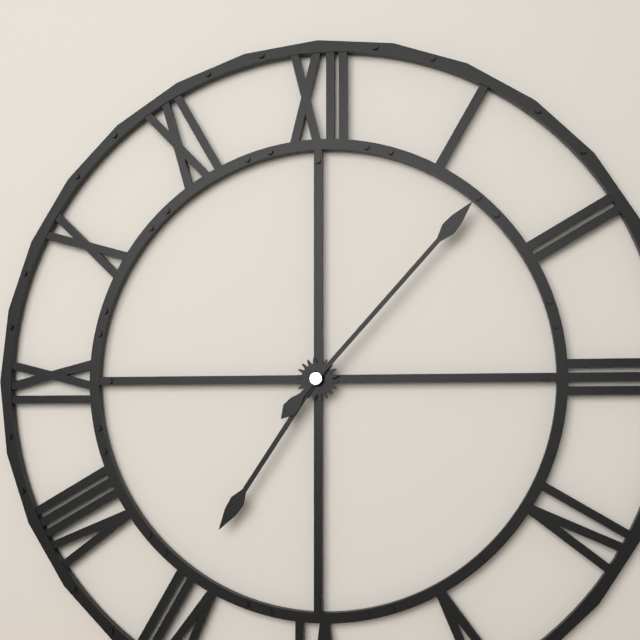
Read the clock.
7:07
